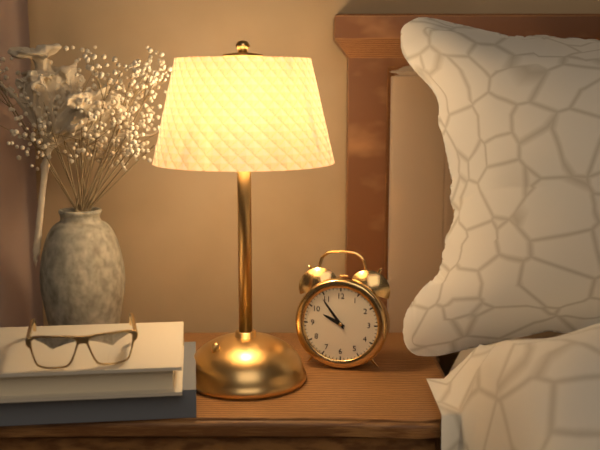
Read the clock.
9:54
